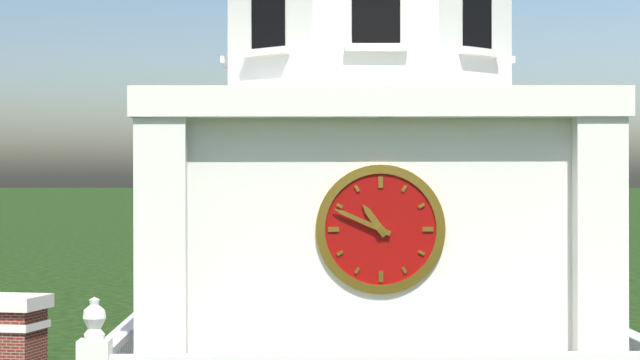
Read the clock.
10:49
